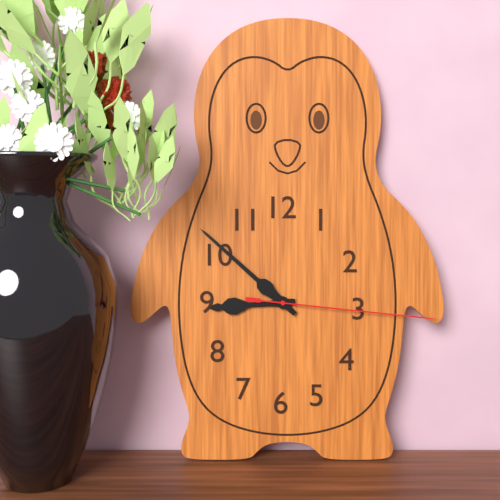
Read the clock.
8:52:16
